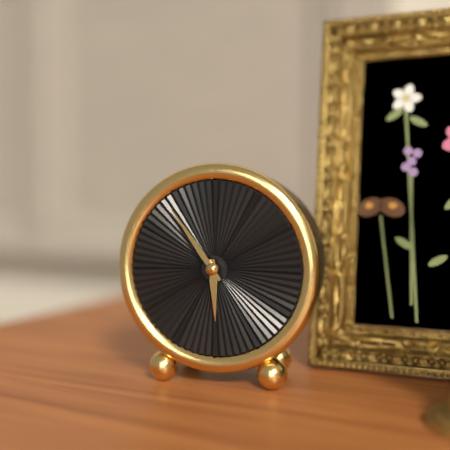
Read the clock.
5:54
